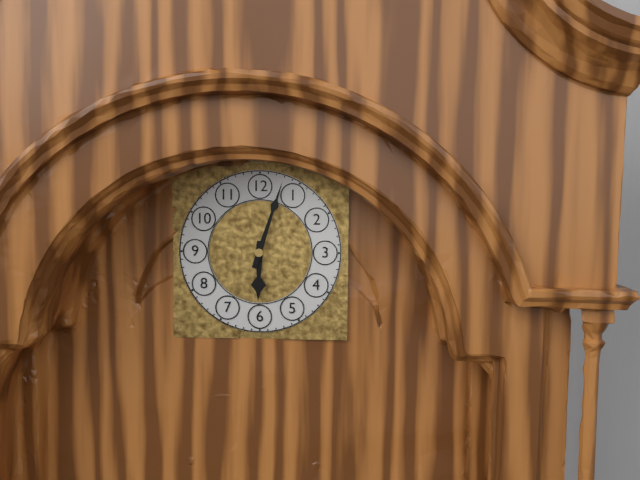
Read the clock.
6:03
